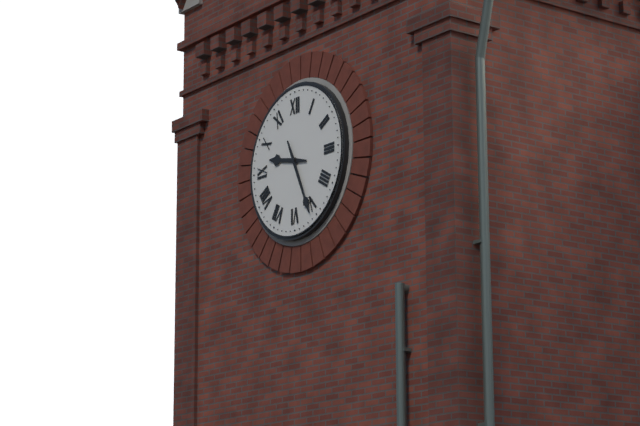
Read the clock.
9:26
